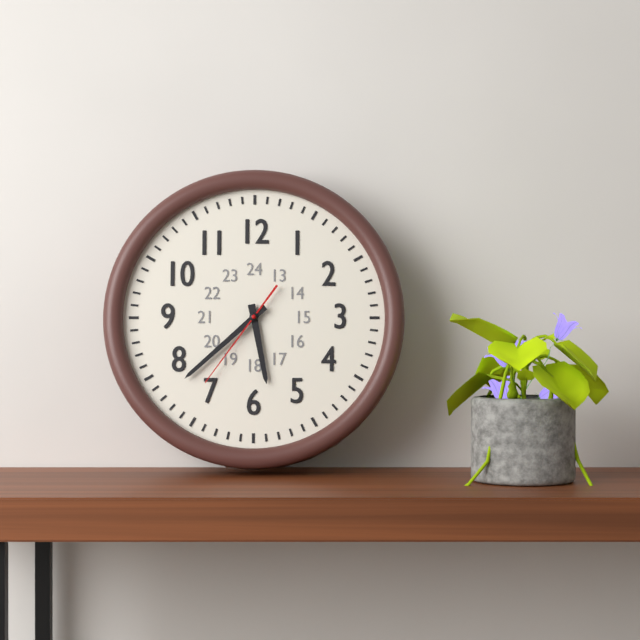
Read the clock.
5:38:36
